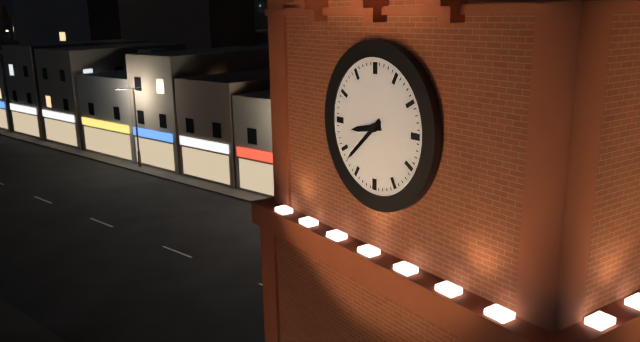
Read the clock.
8:38
